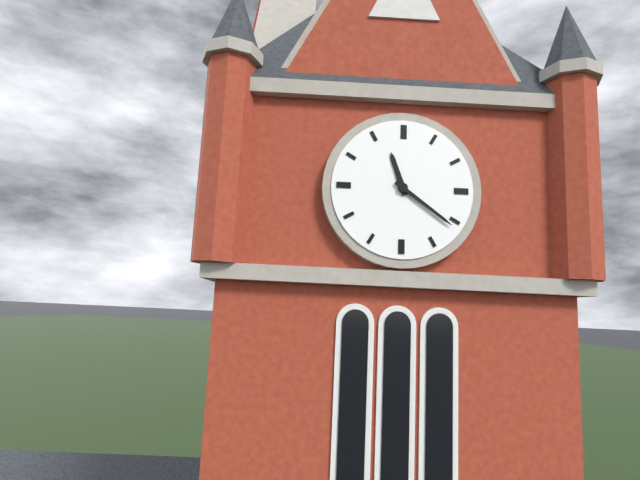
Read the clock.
11:21
